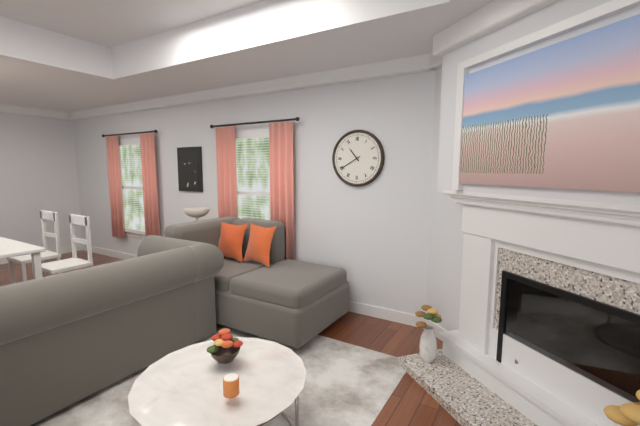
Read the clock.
10:40
